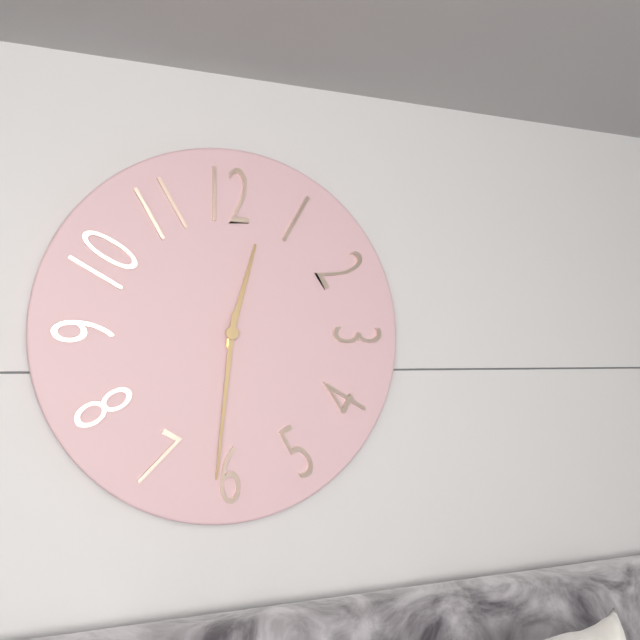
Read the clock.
12:31
